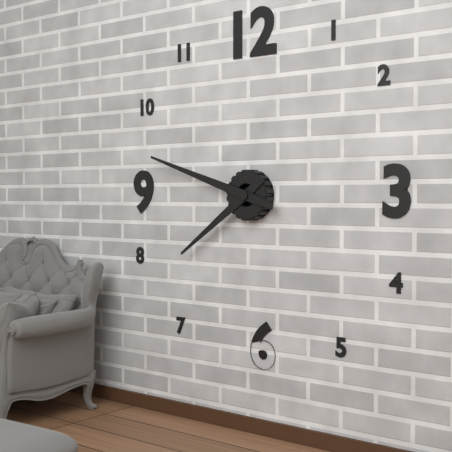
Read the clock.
7:48
